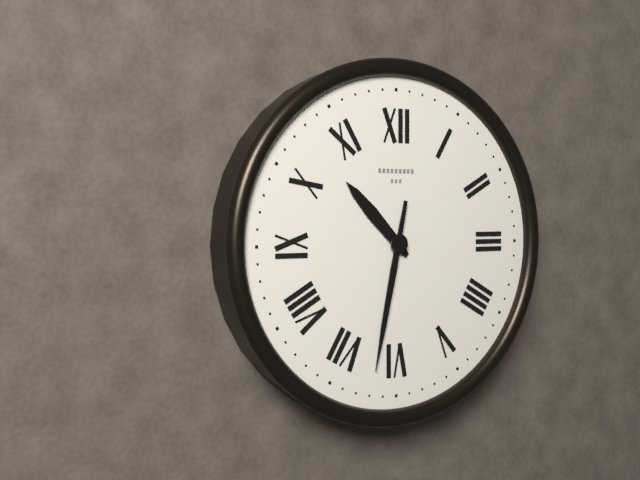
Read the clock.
10:32
